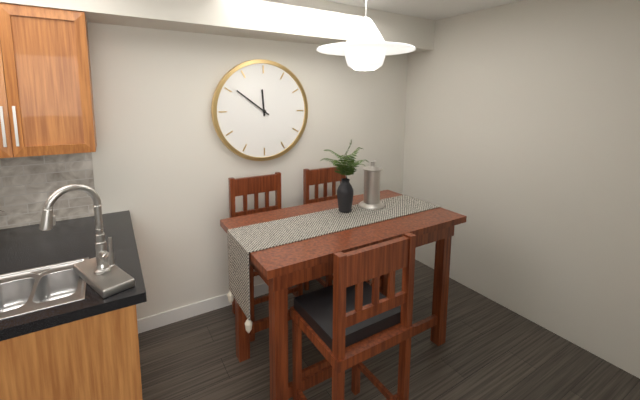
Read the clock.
11:51
